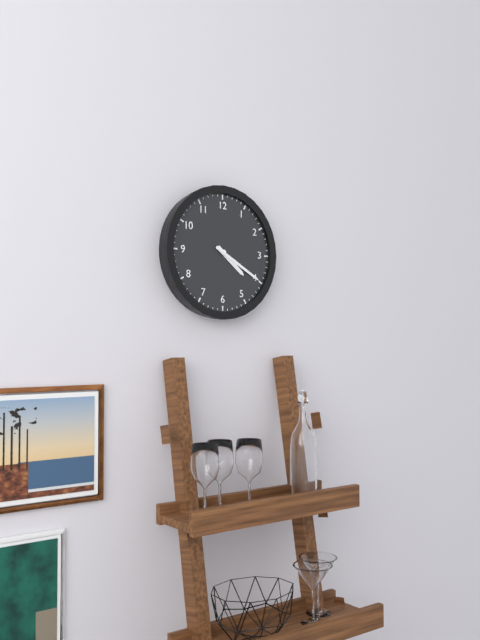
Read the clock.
4:20
